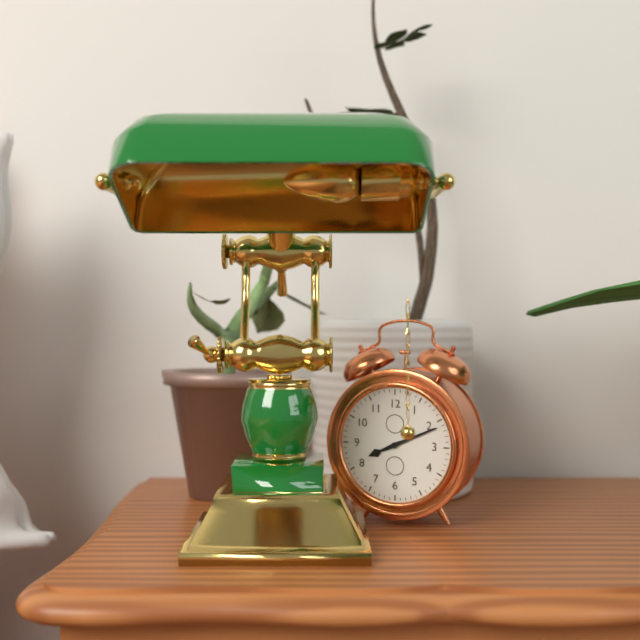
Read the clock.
8:11
